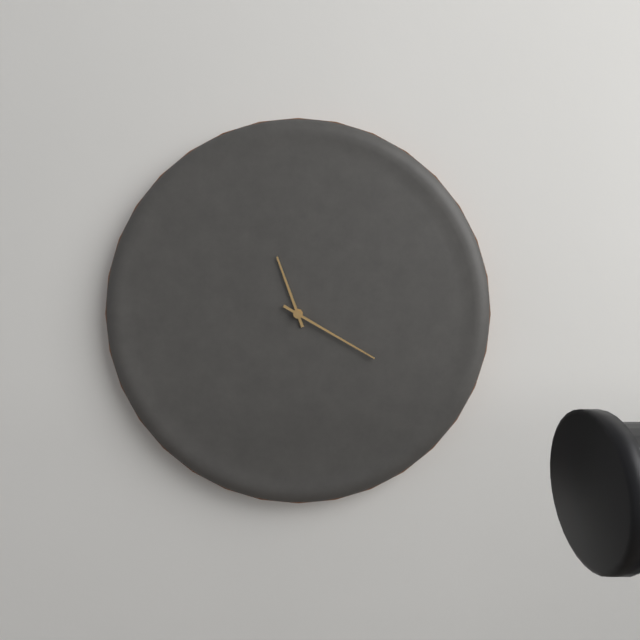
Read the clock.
11:20
